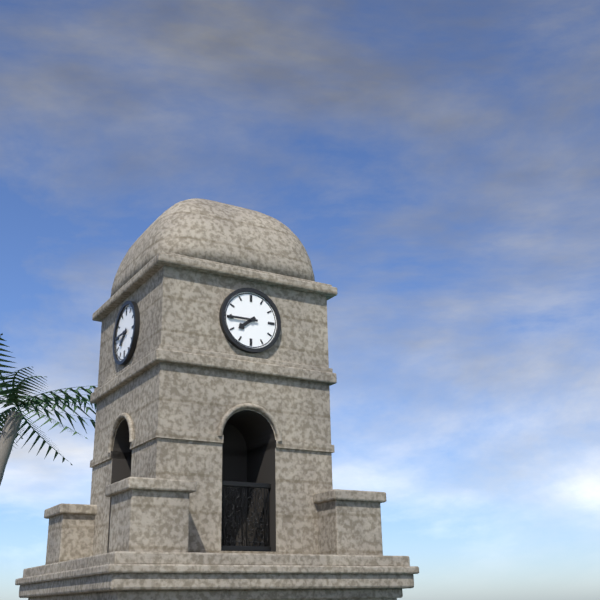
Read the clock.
7:45
